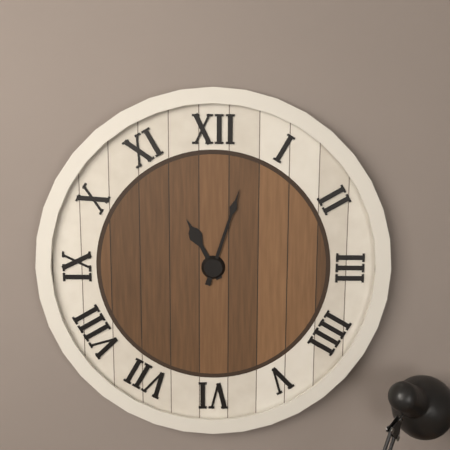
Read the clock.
11:03
